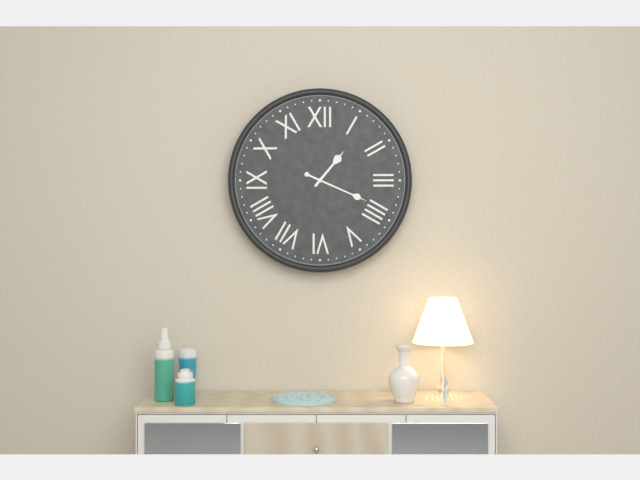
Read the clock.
1:19
